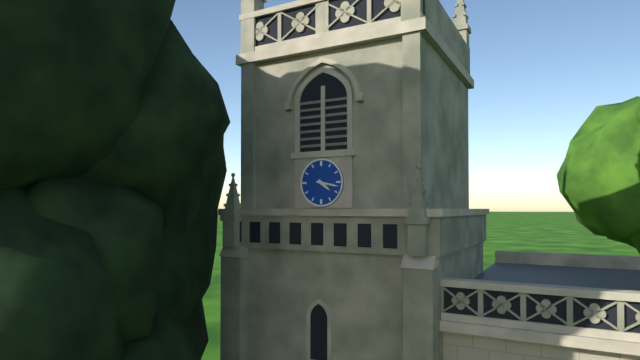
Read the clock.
4:17
